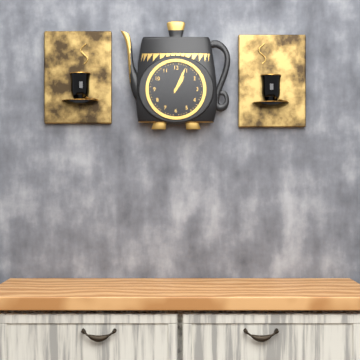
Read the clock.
1:04
